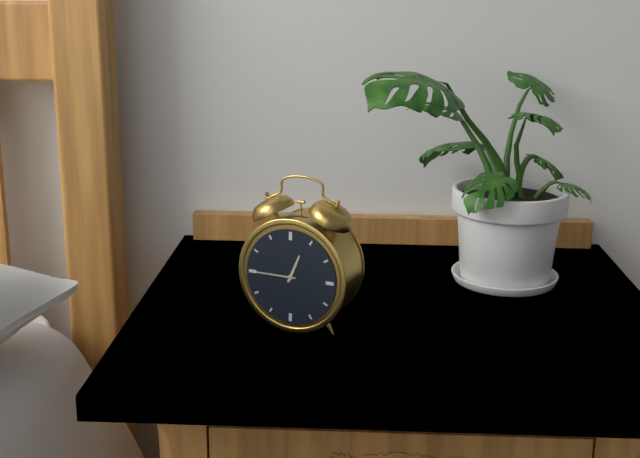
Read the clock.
12:45
